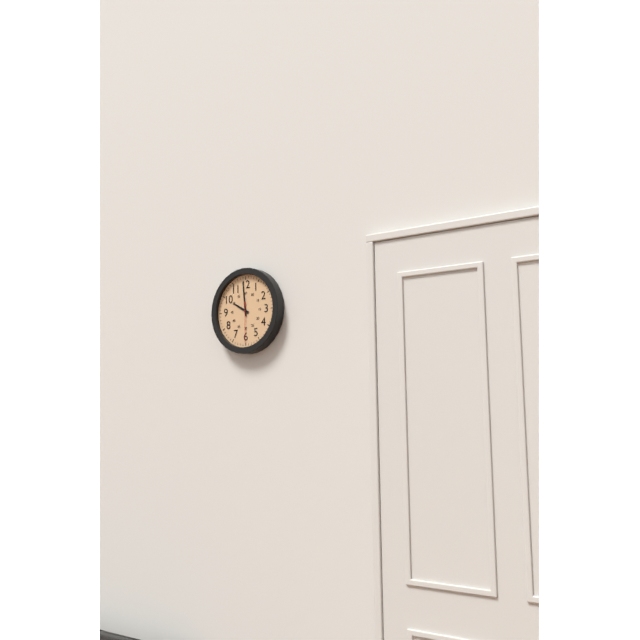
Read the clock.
9:59
